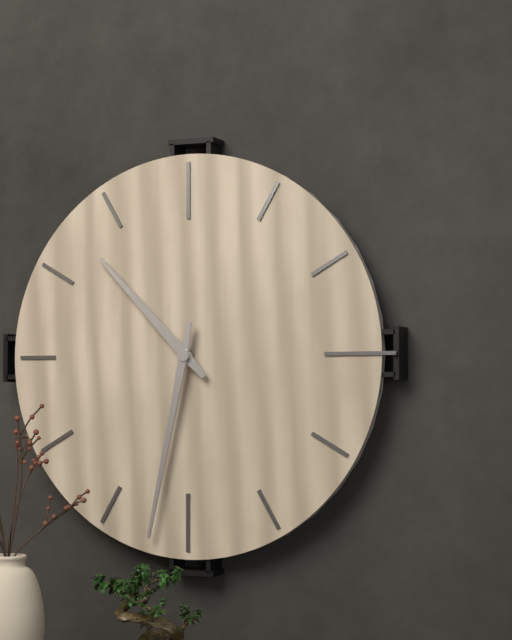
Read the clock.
10:32
